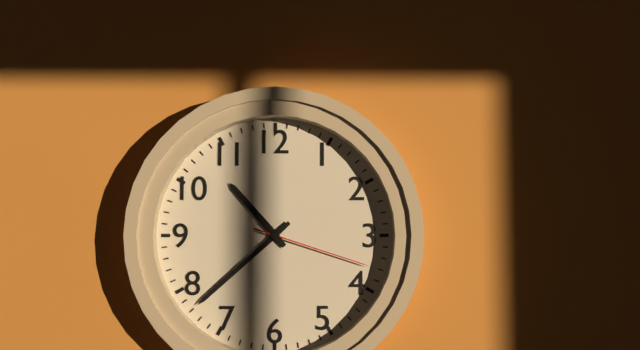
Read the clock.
10:38:18
